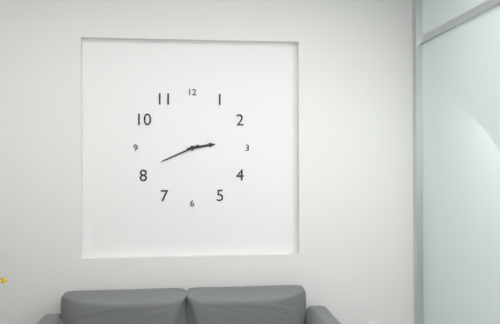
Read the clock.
2:41
